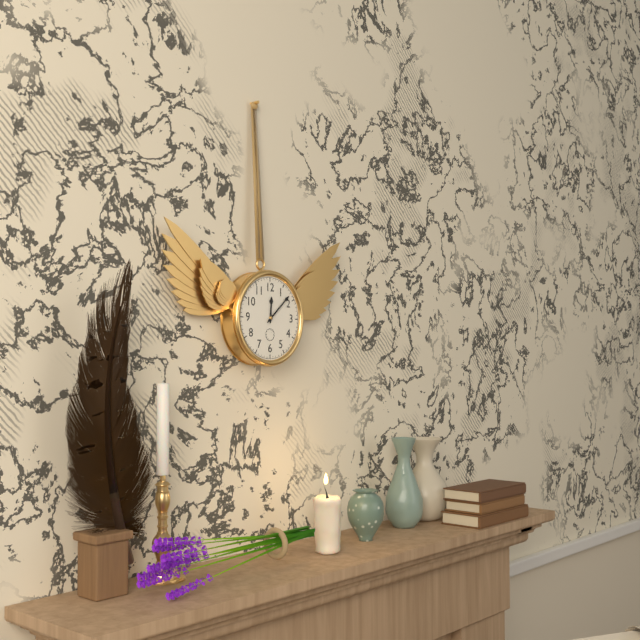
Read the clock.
12:08
